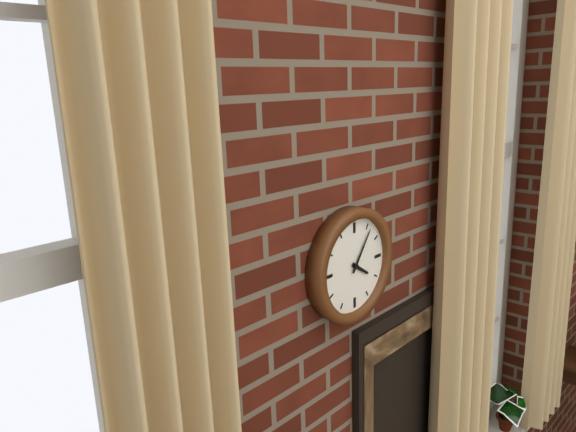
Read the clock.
4:06
